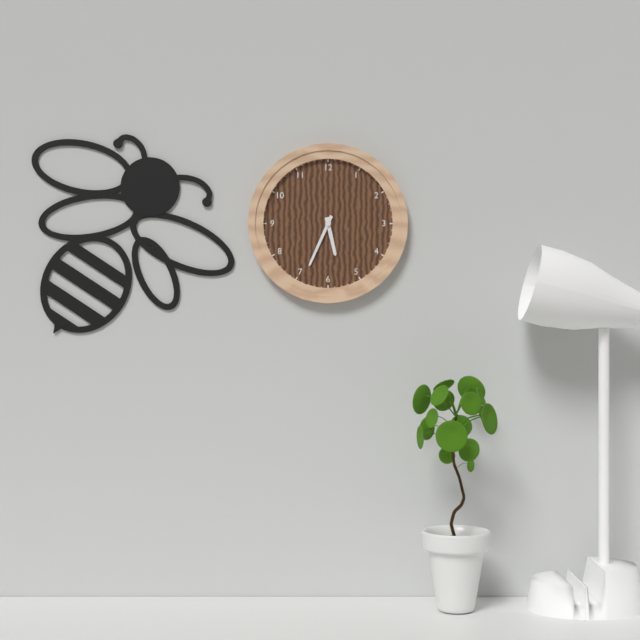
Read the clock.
5:34
